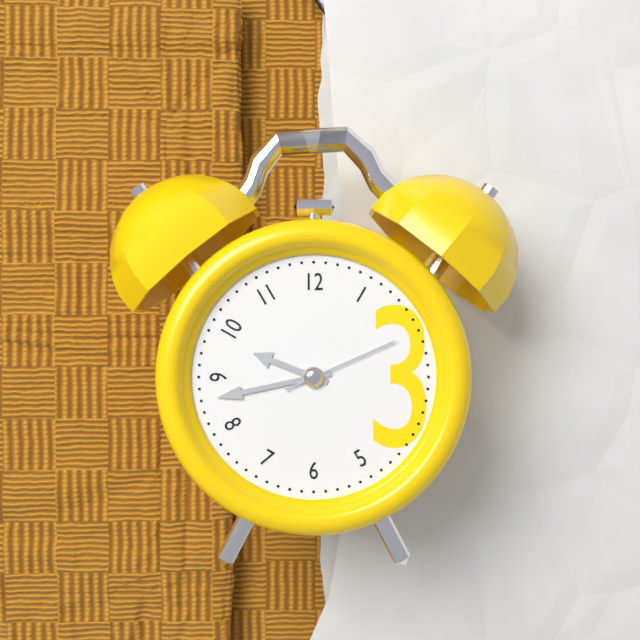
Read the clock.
9:43:11
